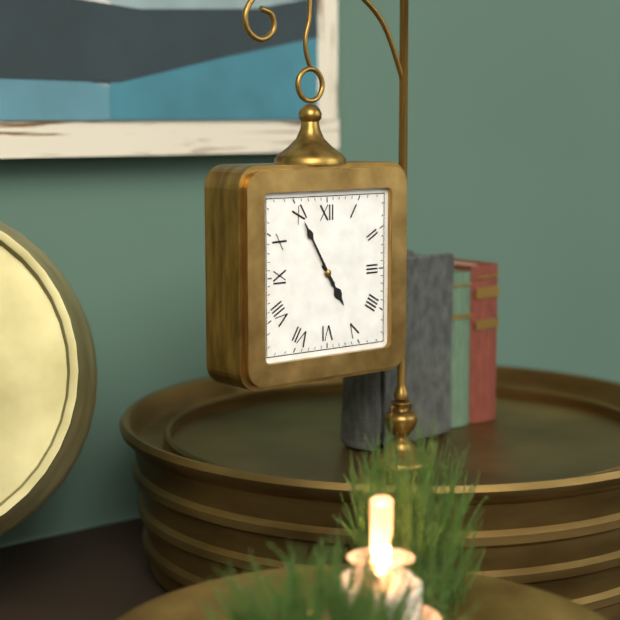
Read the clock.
4:55
